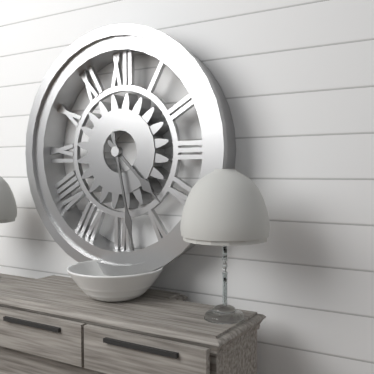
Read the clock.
4:28
